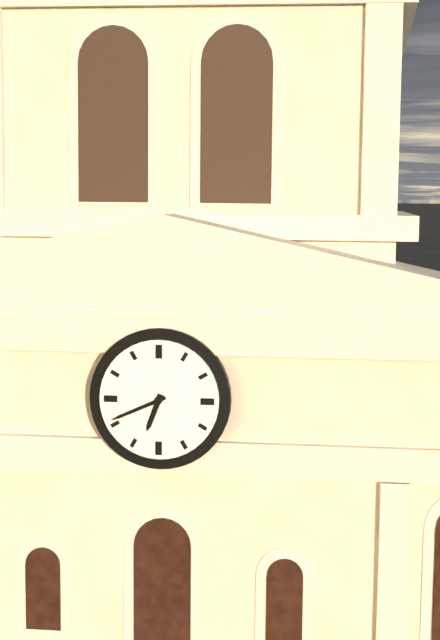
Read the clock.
6:41
